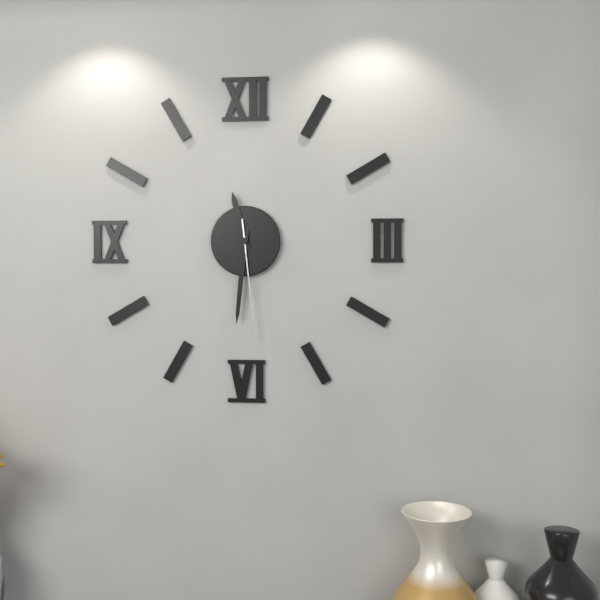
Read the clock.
11:31:29
